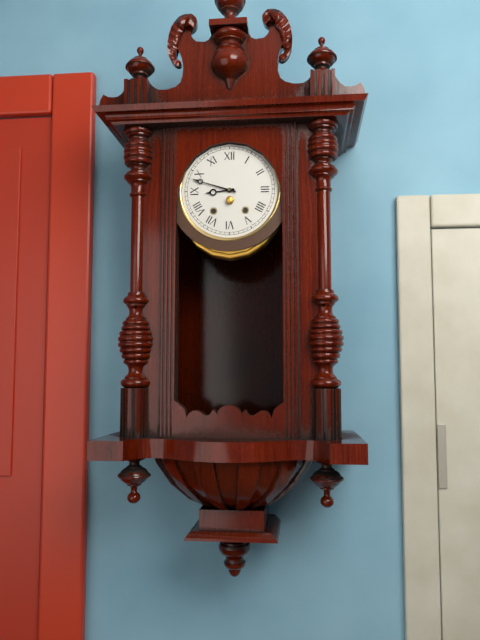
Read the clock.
8:48
